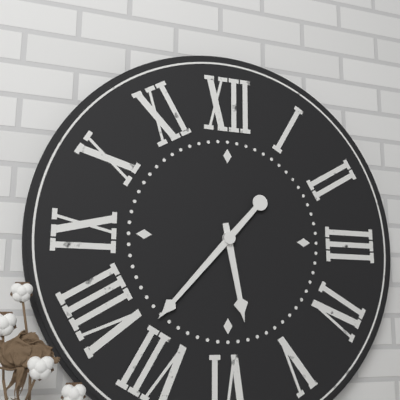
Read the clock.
5:37
